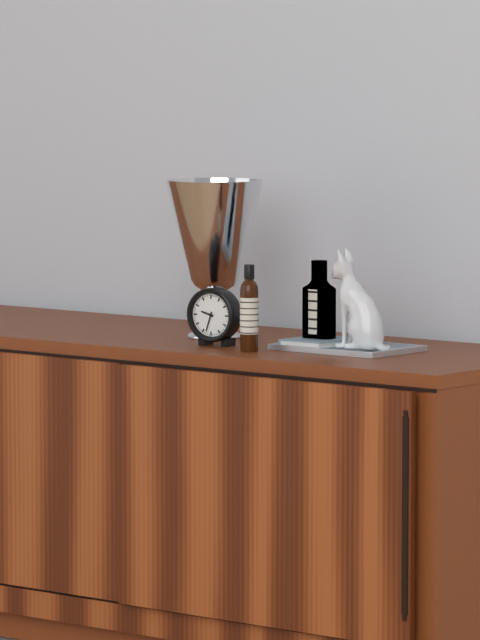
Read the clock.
9:33
